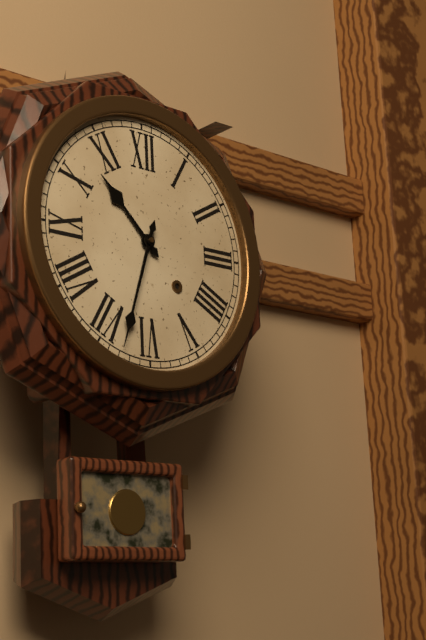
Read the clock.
10:33
